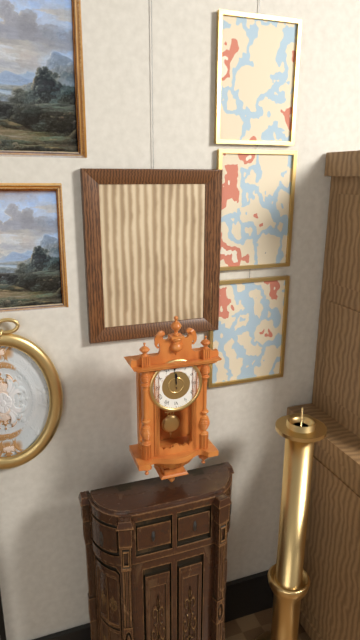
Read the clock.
11:59
